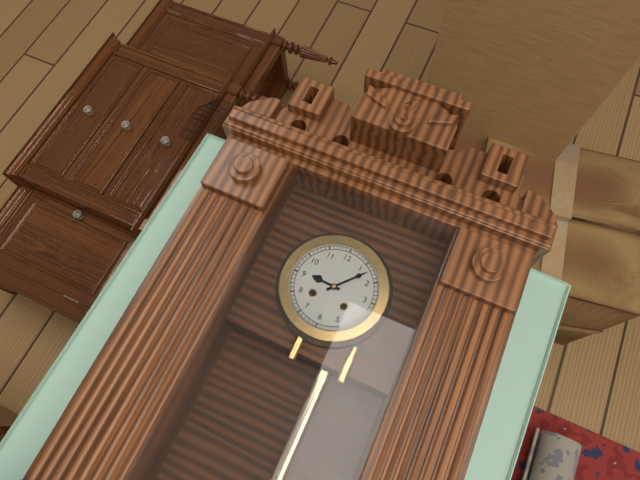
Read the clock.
9:07
